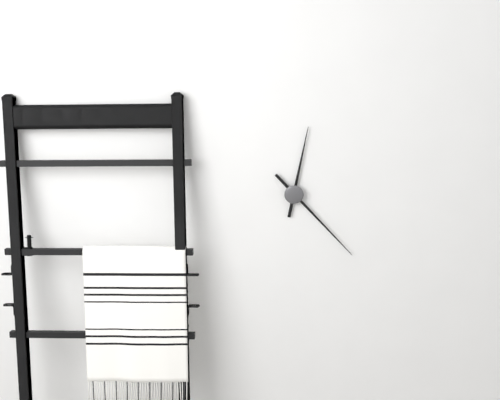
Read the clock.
12:23
